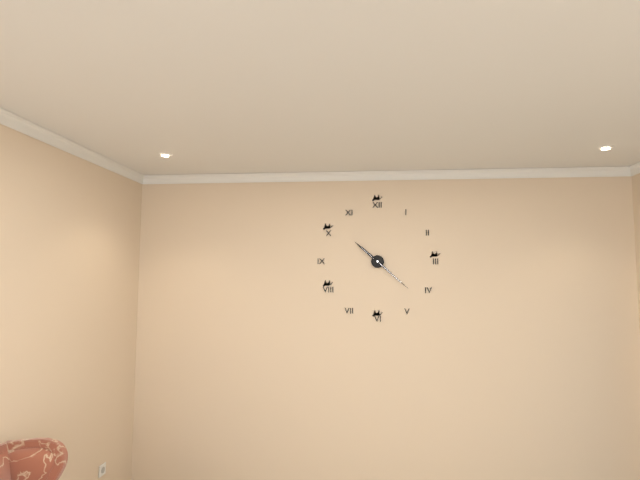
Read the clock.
10:22
